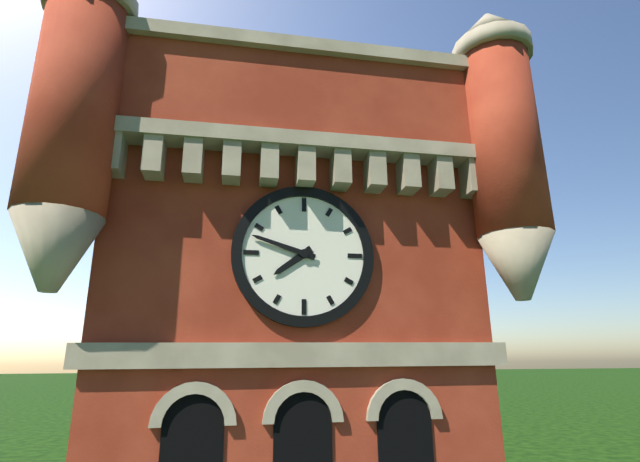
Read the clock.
7:48
